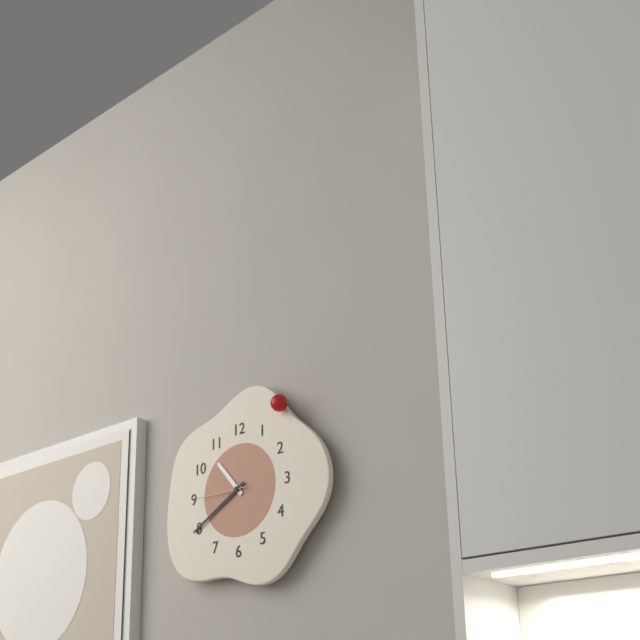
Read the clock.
10:40:45
